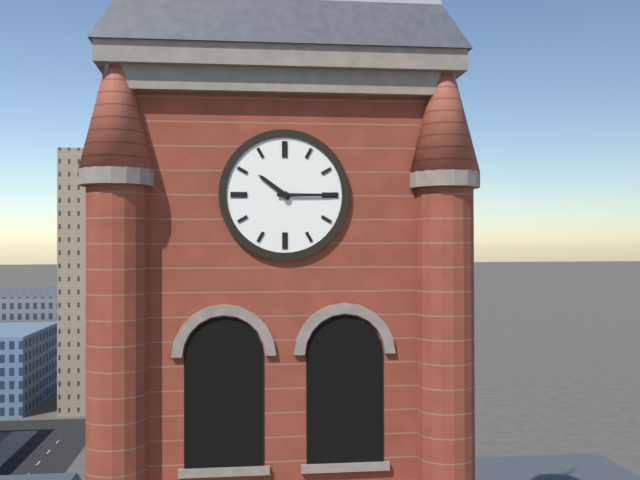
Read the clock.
10:15
